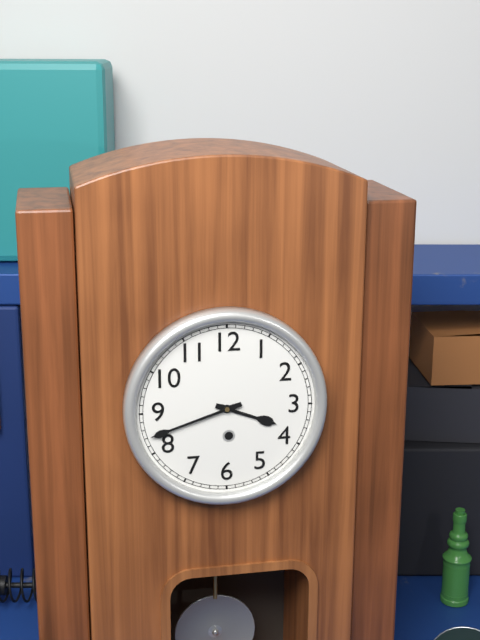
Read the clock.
3:42
